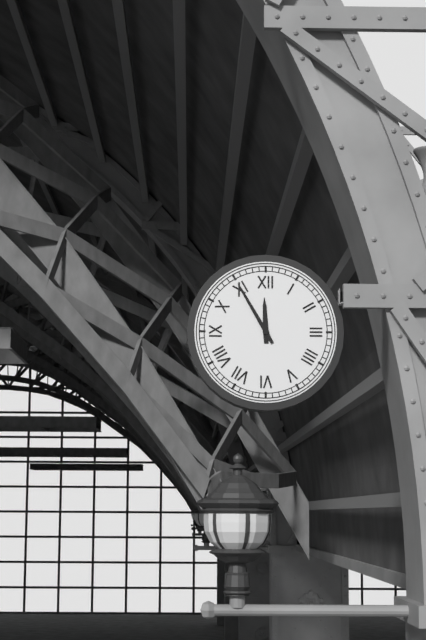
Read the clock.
11:55
